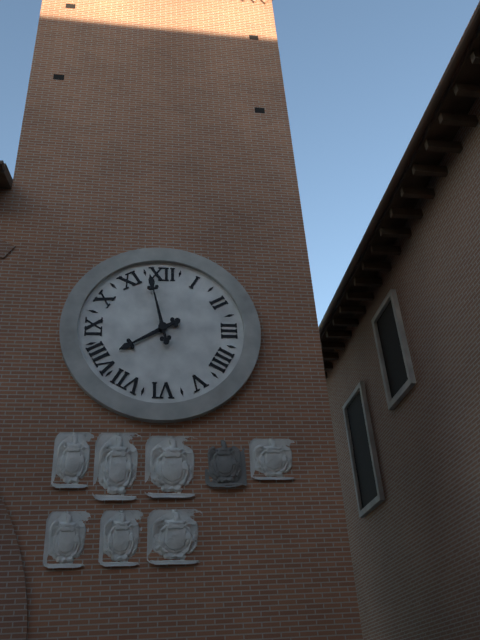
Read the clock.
7:58
